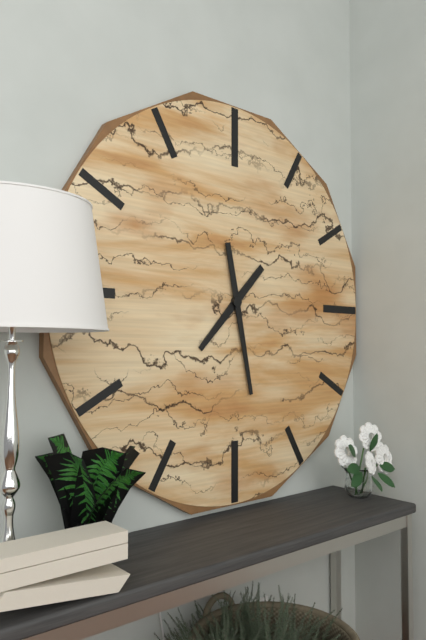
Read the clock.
7:28
